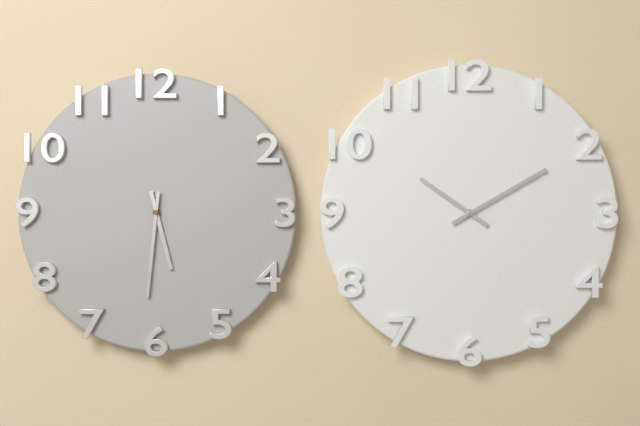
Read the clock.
5:31
